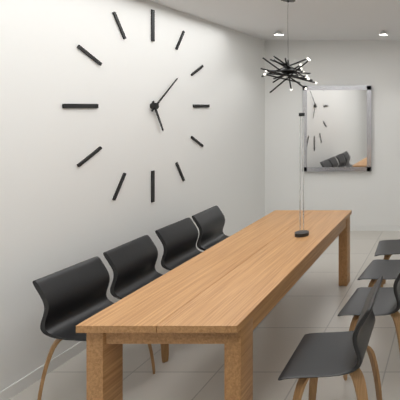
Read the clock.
5:08
